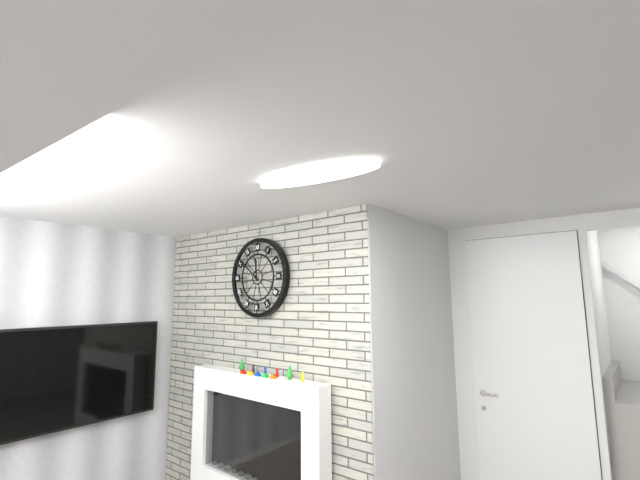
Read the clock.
11:51
